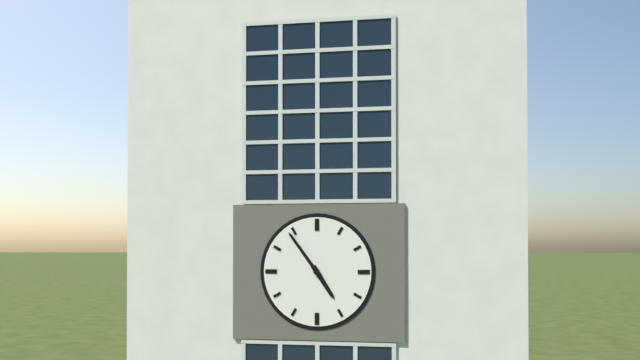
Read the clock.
4:54
